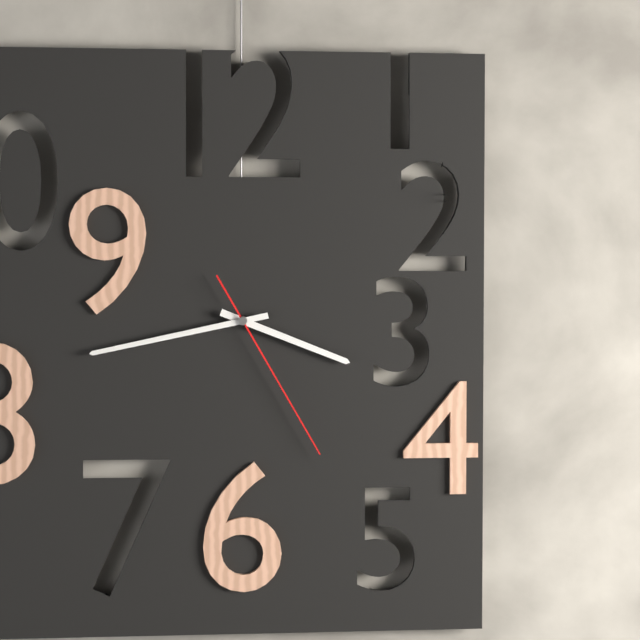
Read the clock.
3:43:25
